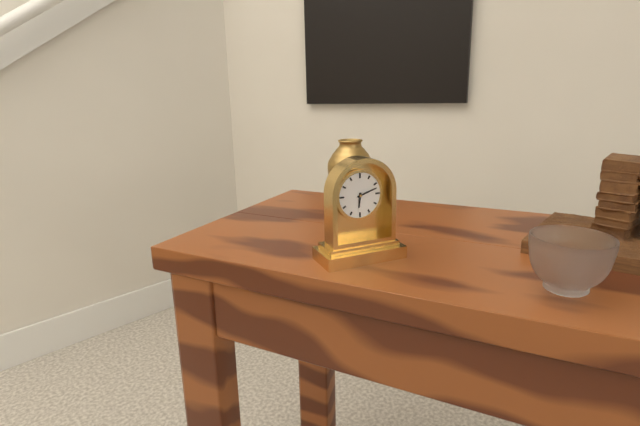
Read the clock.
6:12
